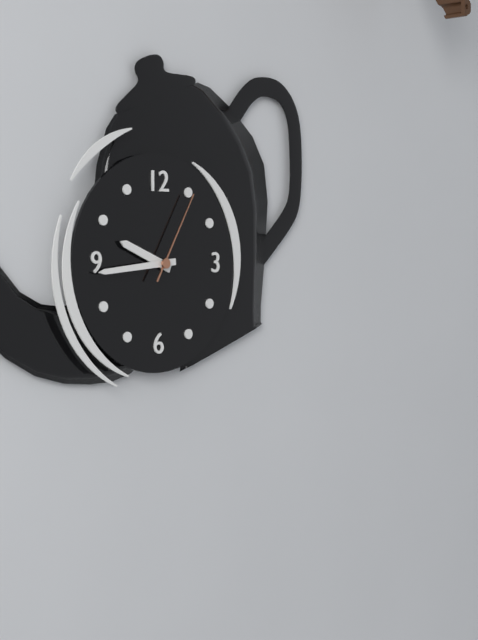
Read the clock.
9:44:05
